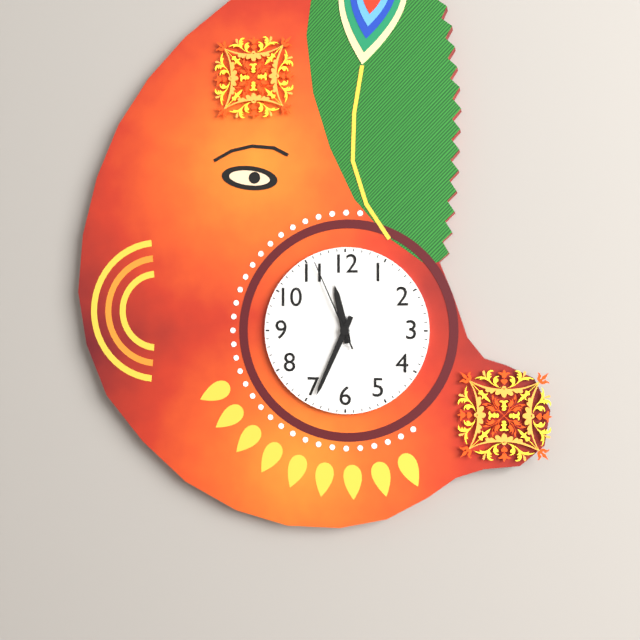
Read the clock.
11:34:56
